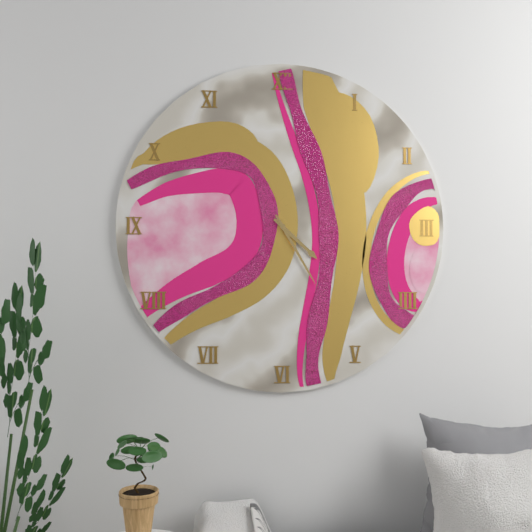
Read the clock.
4:25
